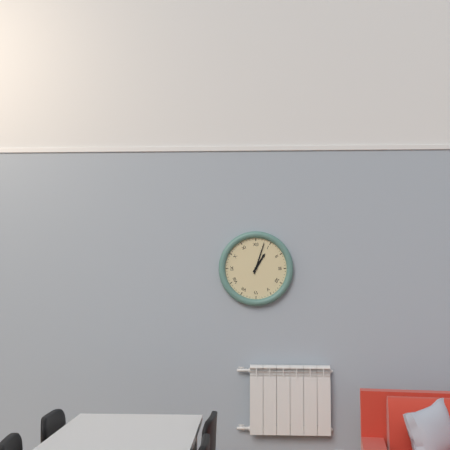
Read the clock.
1:03
